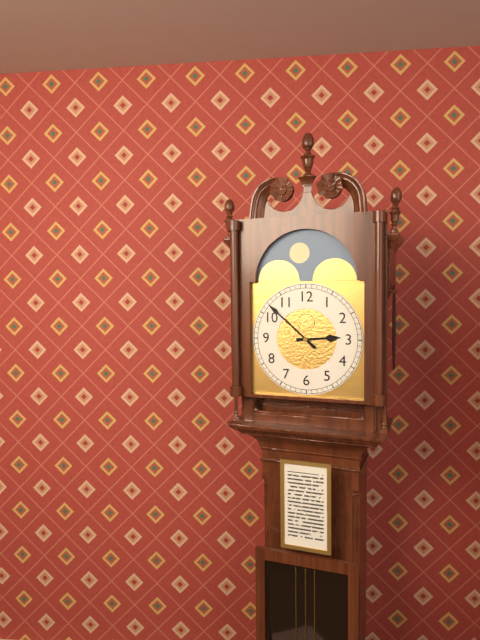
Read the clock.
2:52
